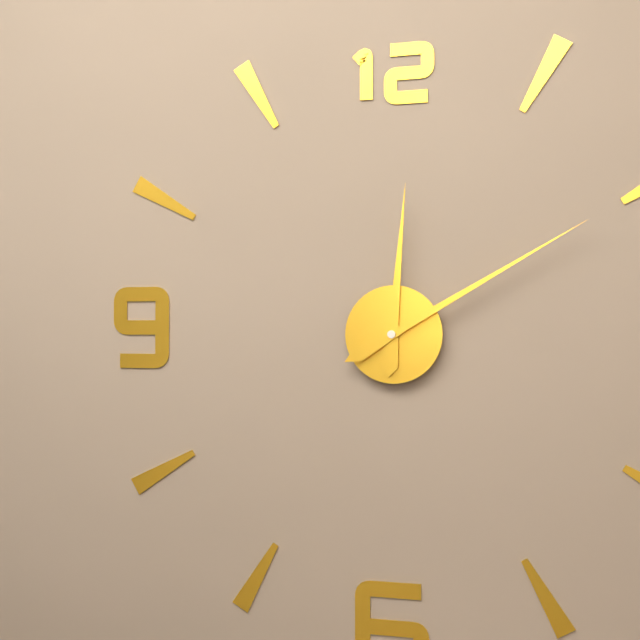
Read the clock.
12:10
